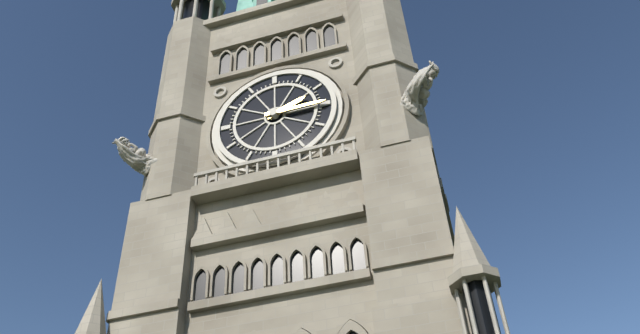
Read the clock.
2:15
